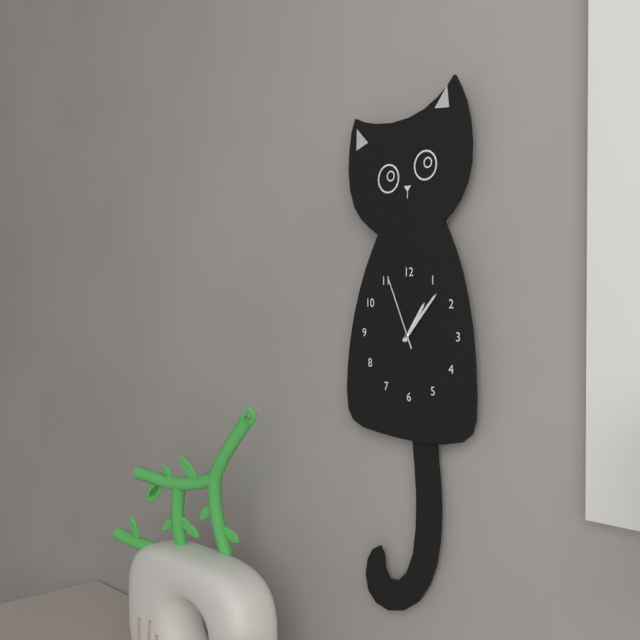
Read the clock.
1:07:56
